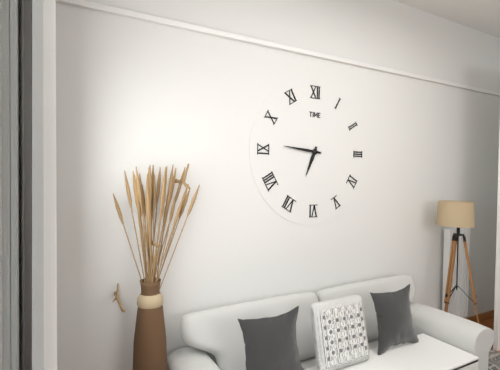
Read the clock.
6:46
